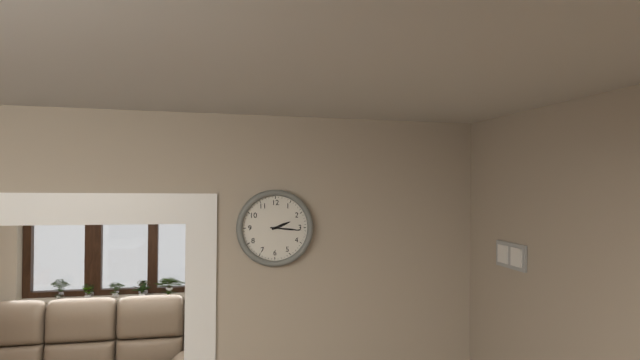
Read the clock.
2:16
